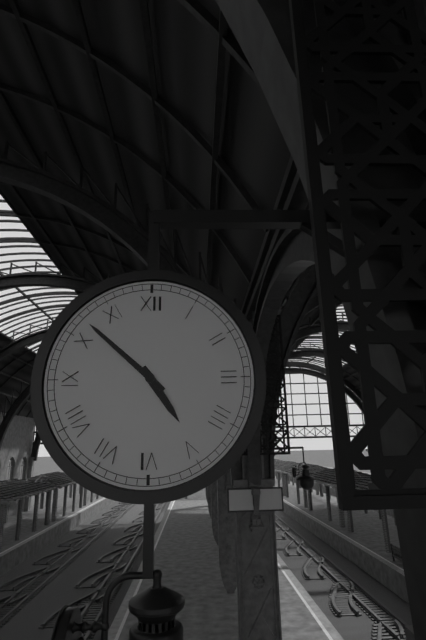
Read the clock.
4:52
